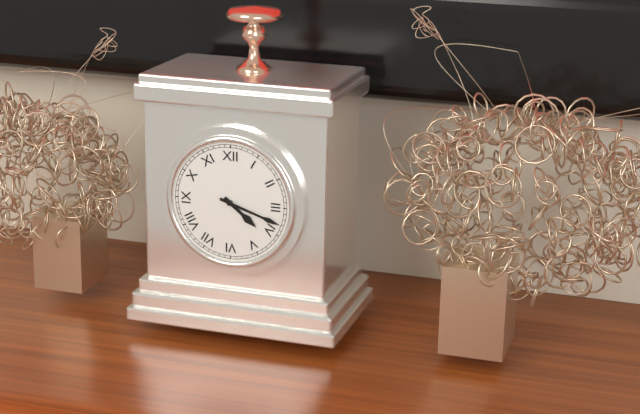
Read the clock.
4:18
